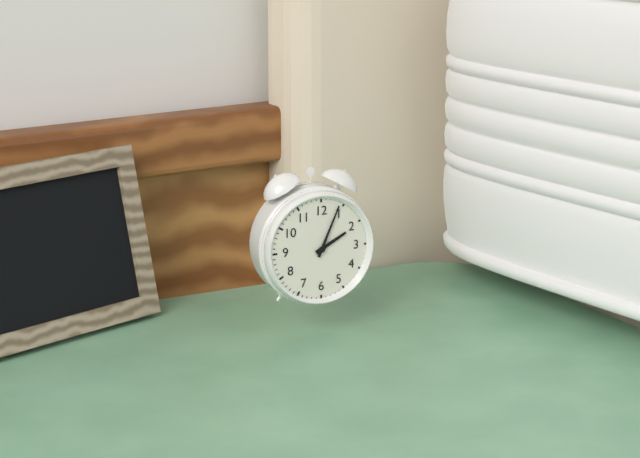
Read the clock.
2:04
